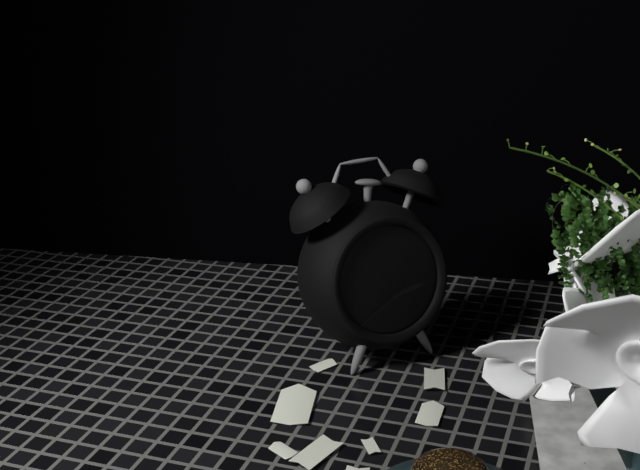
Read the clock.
2:40
